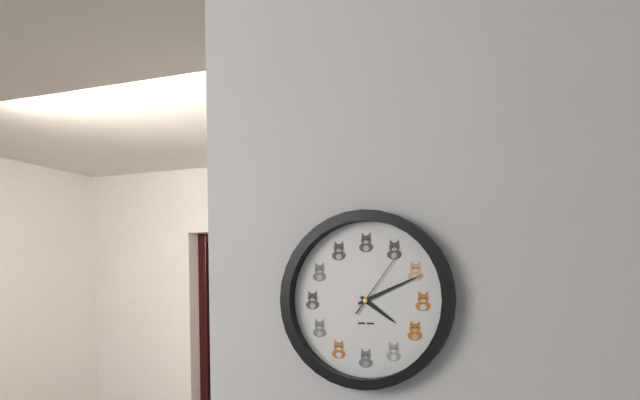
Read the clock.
4:11:06
